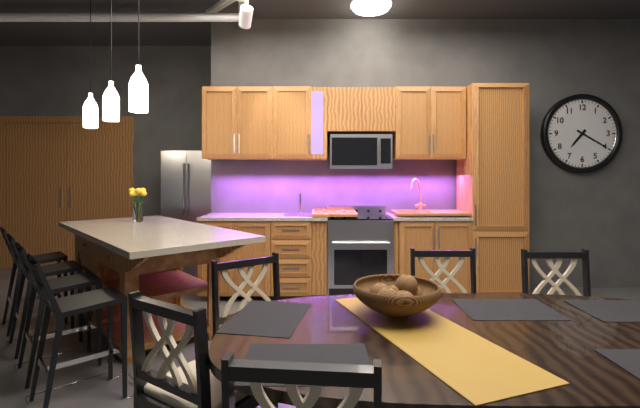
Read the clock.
7:20
